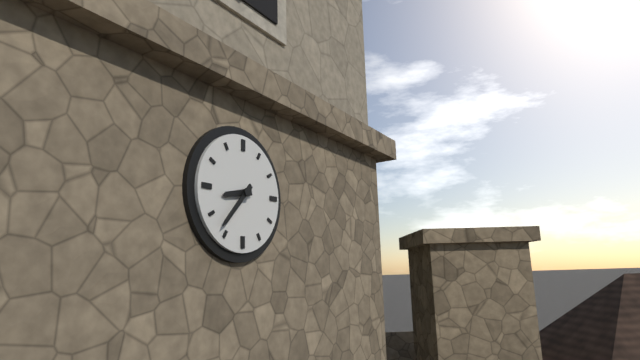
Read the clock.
8:37
